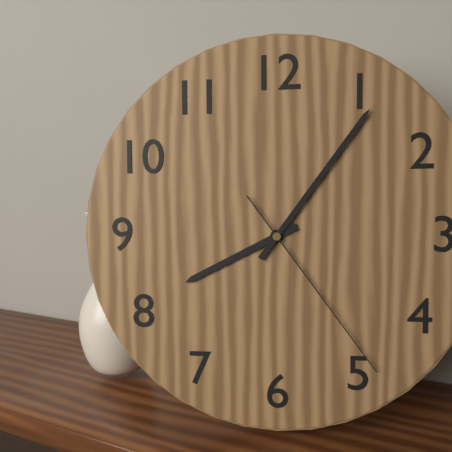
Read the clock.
8:06:24
